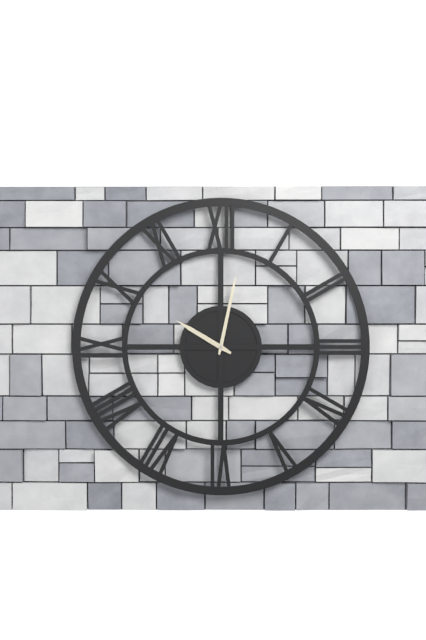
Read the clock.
10:02
